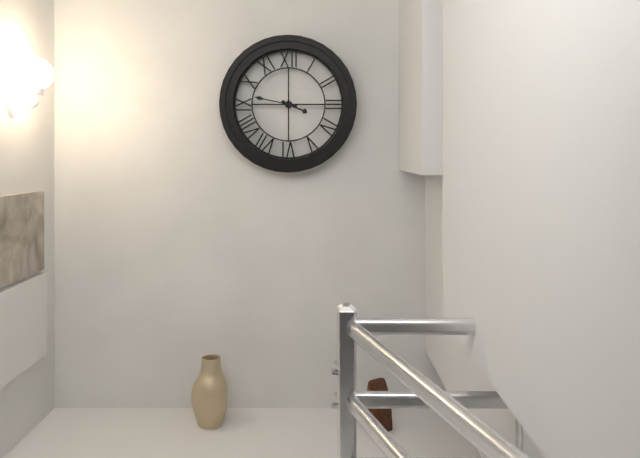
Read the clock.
3:47
